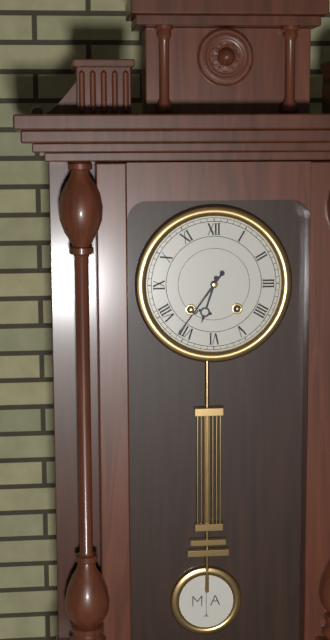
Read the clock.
6:36
